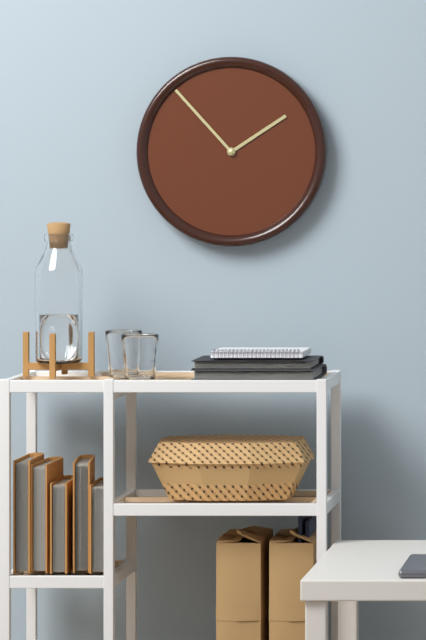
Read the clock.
1:53
